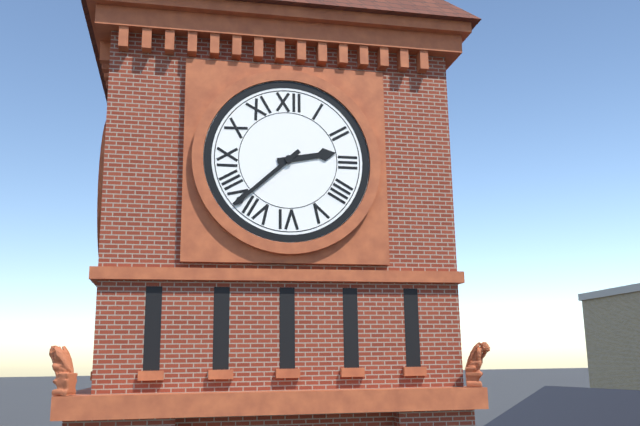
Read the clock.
2:38
